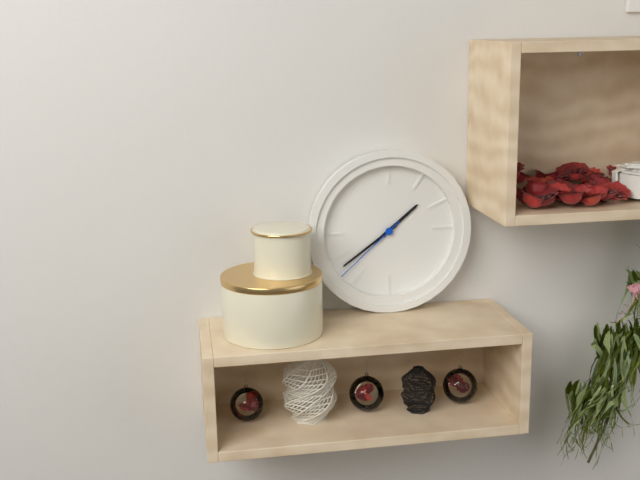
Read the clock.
1:39:38
